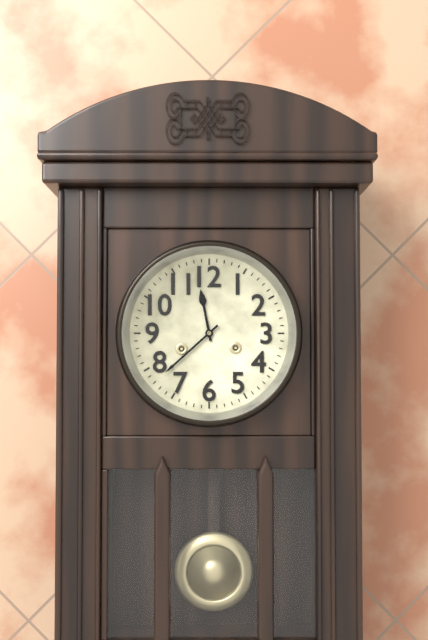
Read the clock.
11:38
